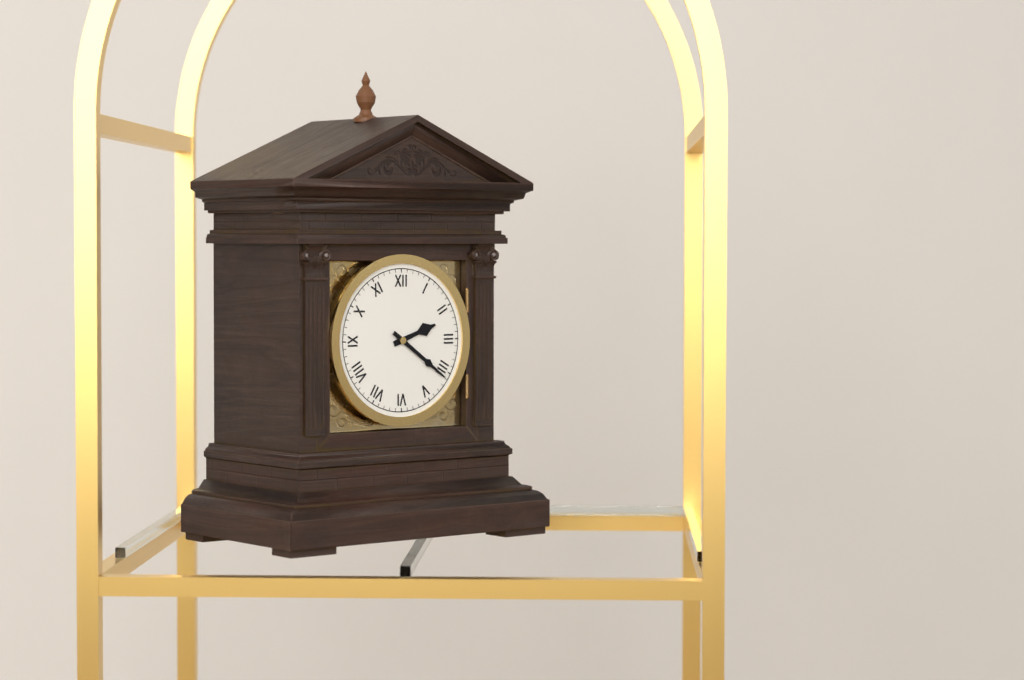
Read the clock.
2:21
